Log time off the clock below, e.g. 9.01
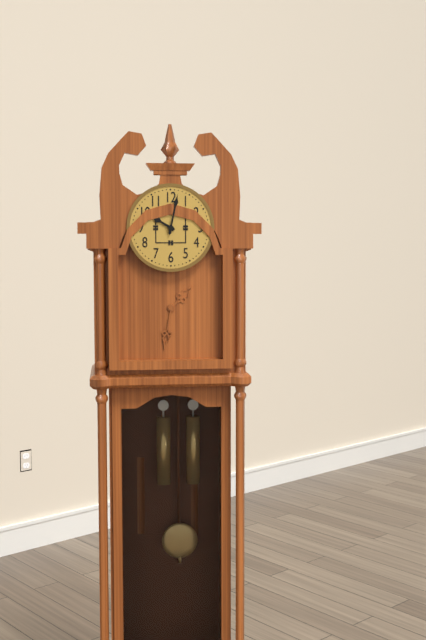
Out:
10.02
